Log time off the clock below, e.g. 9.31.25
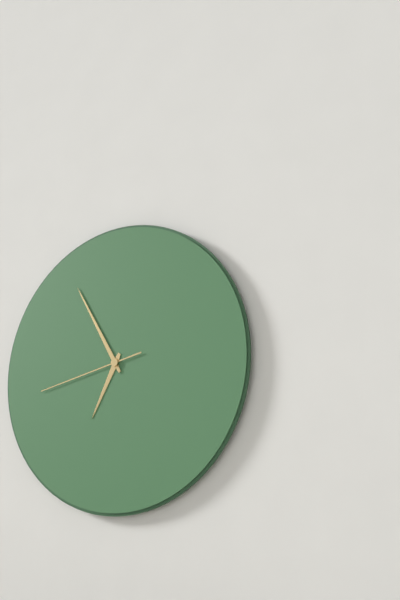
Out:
6.55.43
